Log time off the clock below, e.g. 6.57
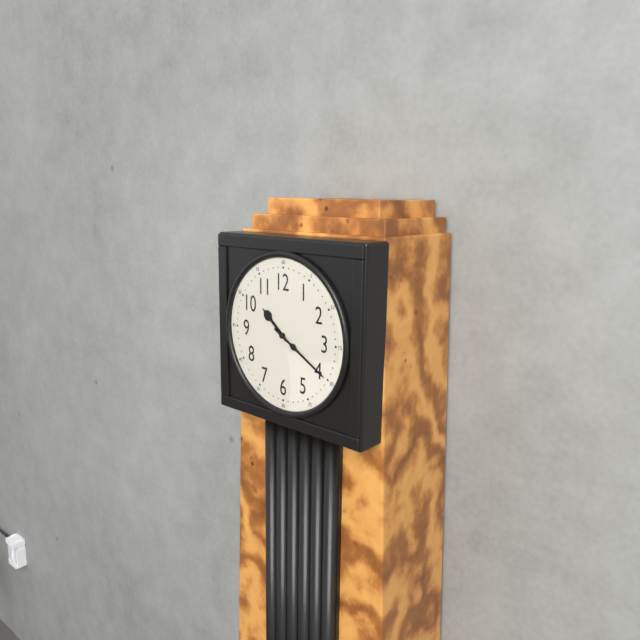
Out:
10.20
